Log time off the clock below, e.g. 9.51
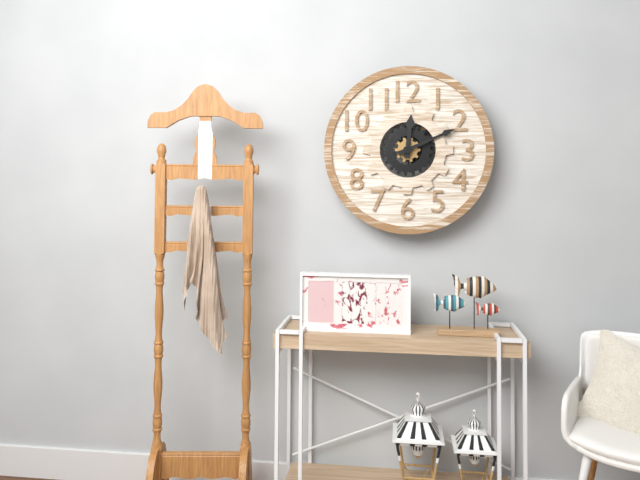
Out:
12.11
